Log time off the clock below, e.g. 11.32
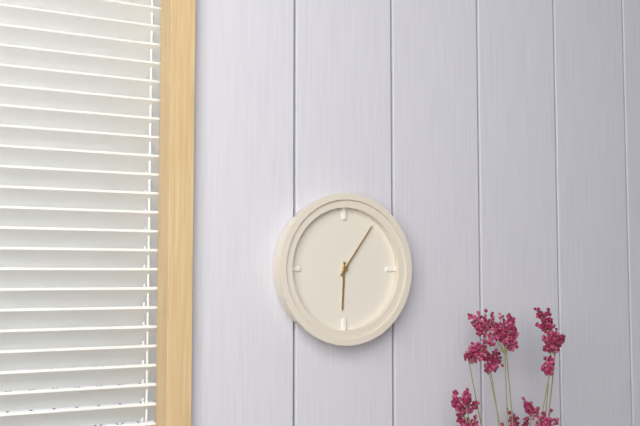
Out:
6.06
